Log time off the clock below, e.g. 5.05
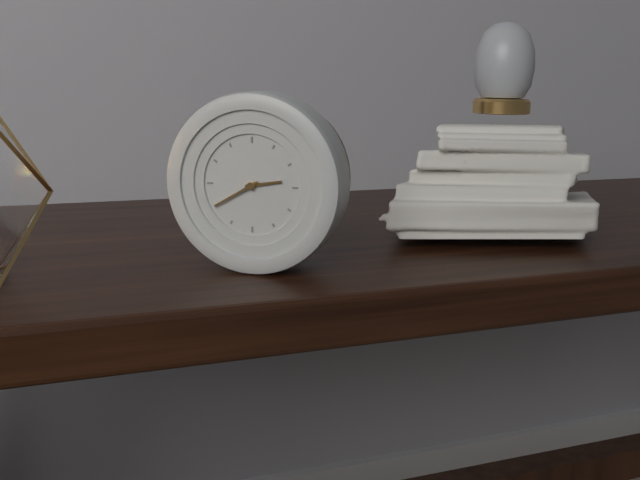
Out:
2.40
